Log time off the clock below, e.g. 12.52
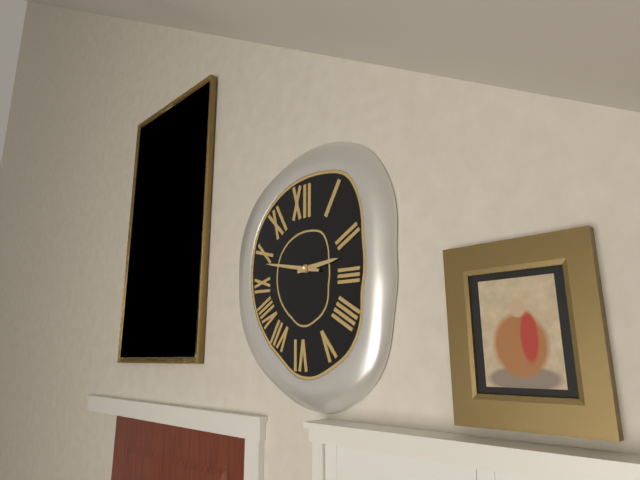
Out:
2.47
